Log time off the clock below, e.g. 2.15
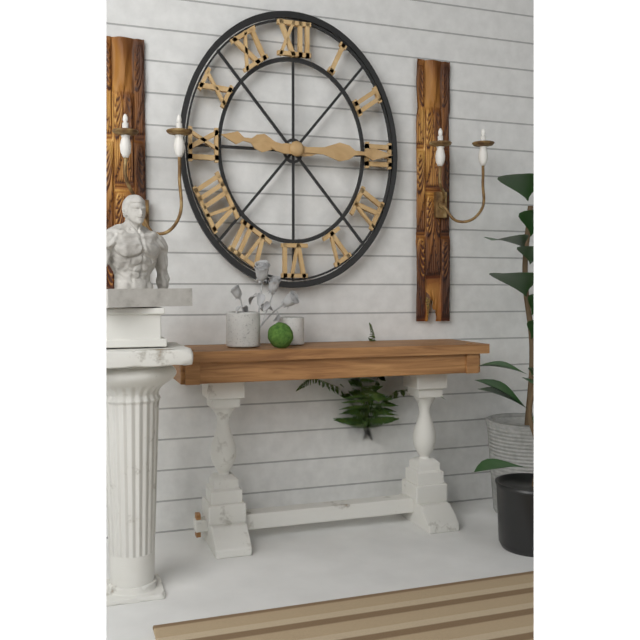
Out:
9.15
